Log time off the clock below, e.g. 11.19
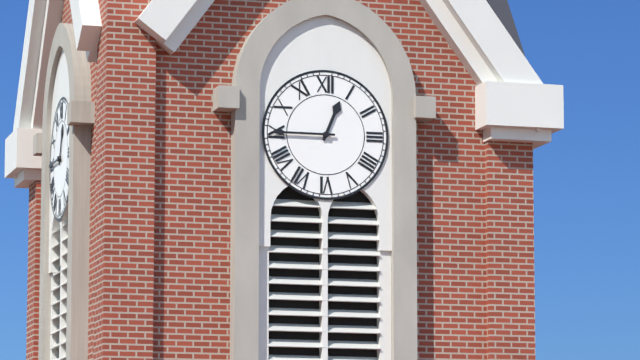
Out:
12.45
